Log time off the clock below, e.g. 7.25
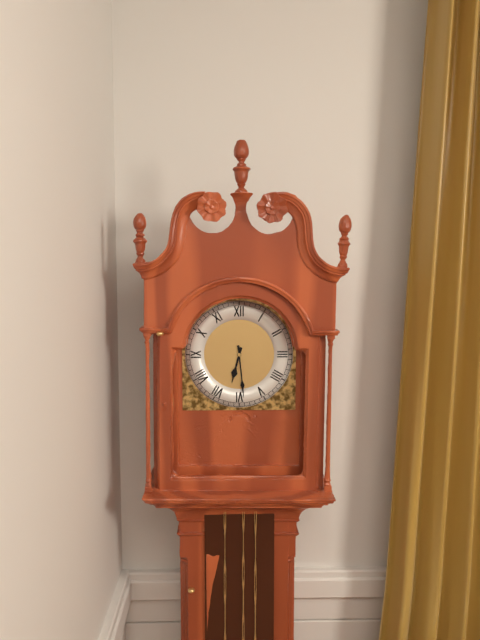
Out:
6.29
